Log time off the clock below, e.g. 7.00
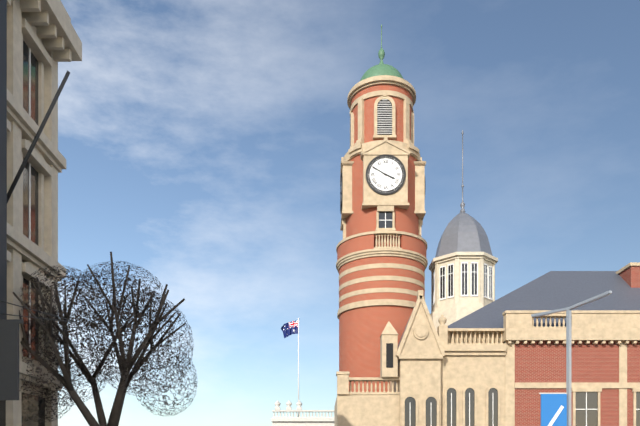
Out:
3.50
